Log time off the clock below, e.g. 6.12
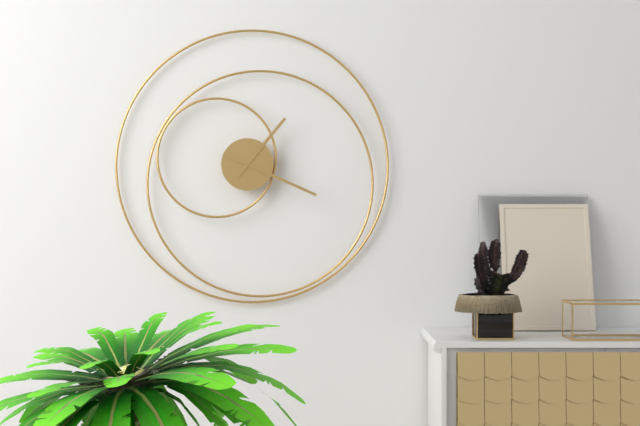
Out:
1.19
